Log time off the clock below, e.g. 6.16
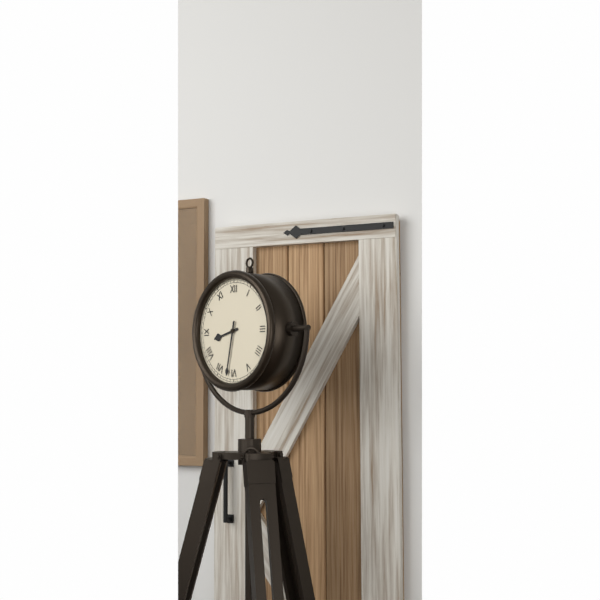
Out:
8.32
